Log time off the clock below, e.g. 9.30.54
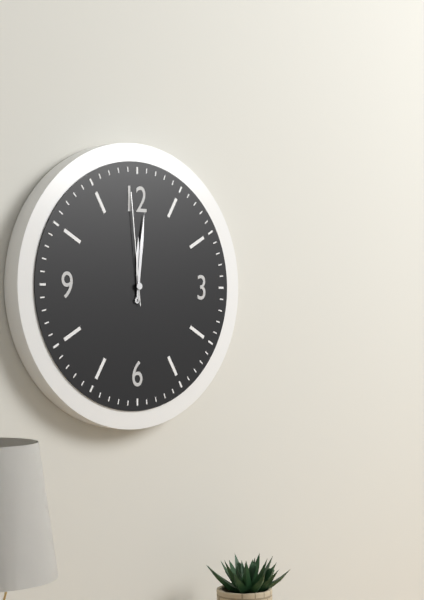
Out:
12.01.59
